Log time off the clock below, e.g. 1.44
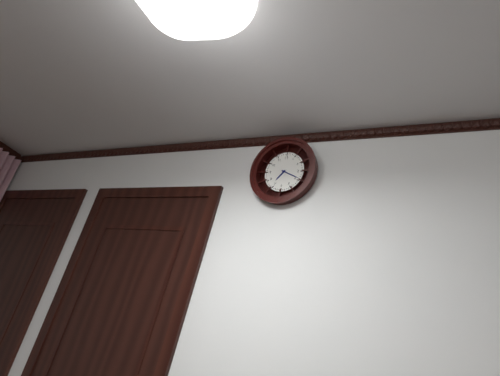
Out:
7.19
